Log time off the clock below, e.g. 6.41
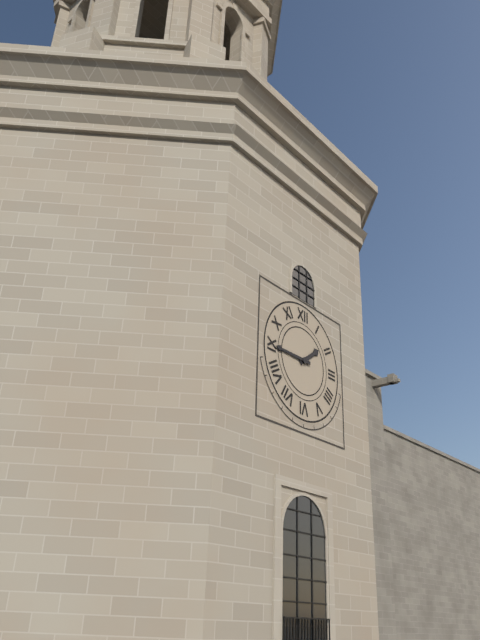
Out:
1.45
